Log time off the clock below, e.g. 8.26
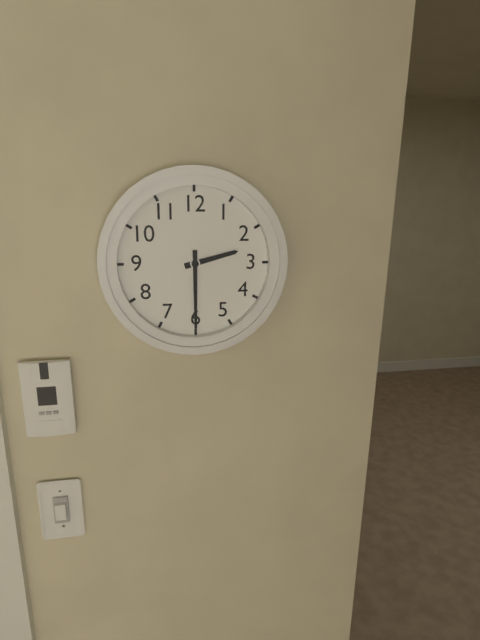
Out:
2.30
